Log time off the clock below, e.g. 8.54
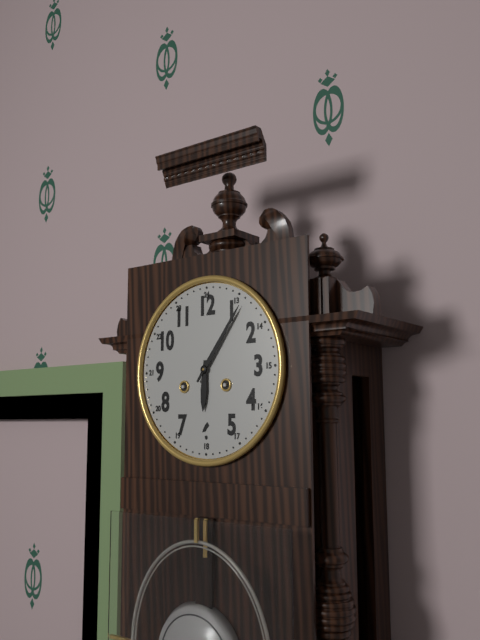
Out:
6.06
